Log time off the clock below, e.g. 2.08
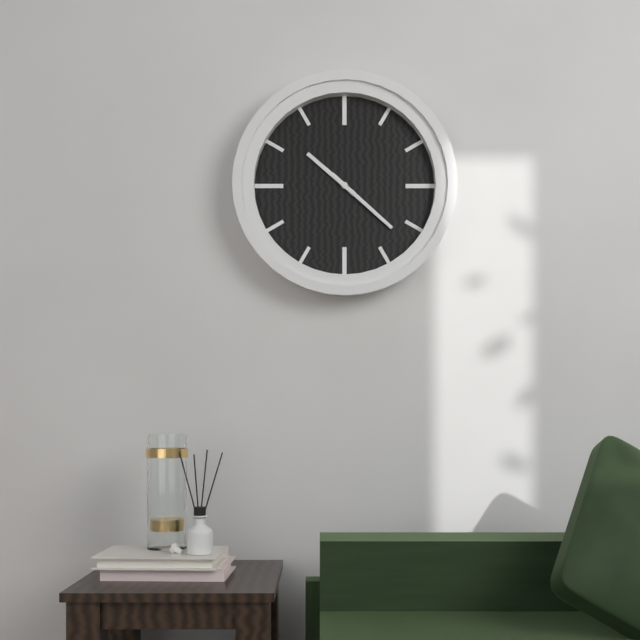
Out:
10.22
